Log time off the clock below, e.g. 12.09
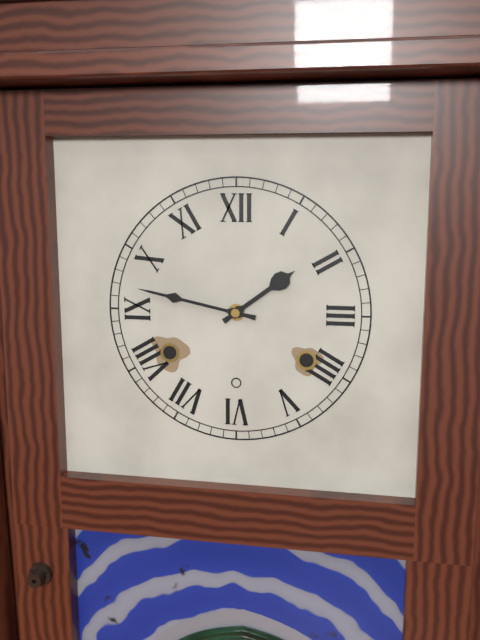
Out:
1.47
